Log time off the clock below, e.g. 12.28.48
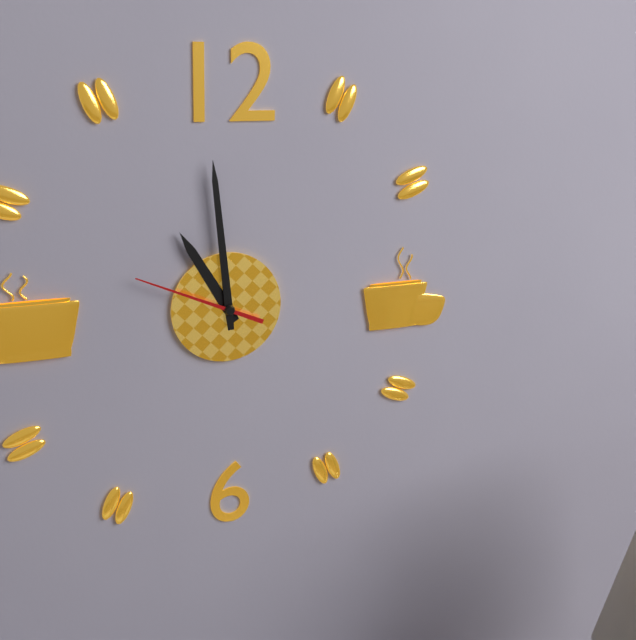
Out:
10.59.49
